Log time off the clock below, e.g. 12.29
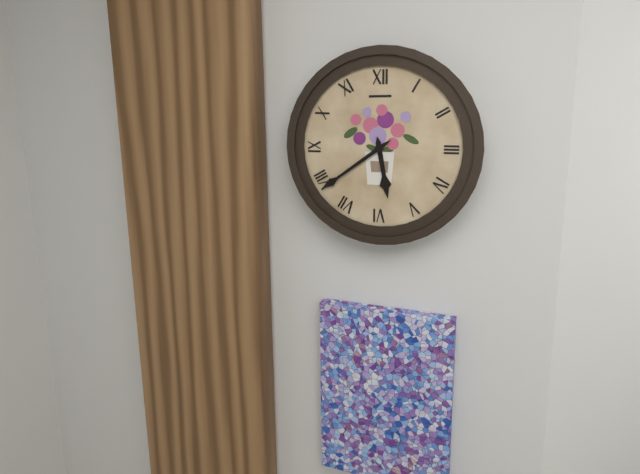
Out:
5.39
